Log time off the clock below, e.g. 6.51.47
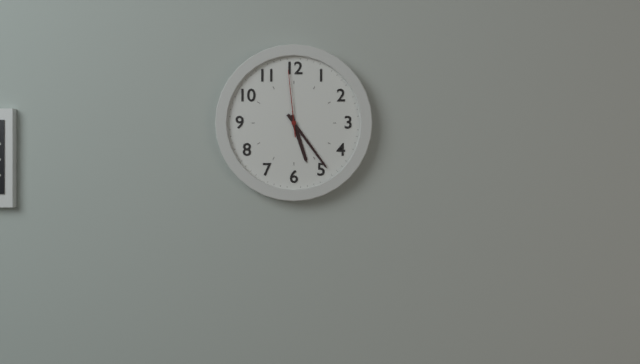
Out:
5.24.59
